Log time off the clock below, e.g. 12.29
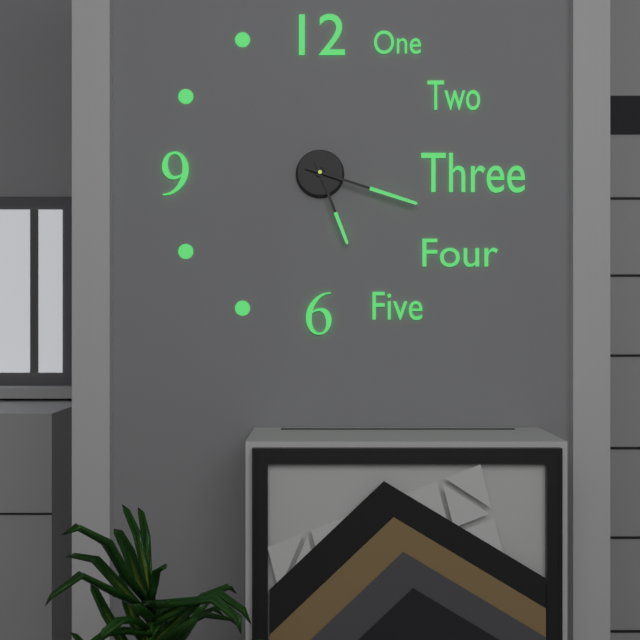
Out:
5.18
